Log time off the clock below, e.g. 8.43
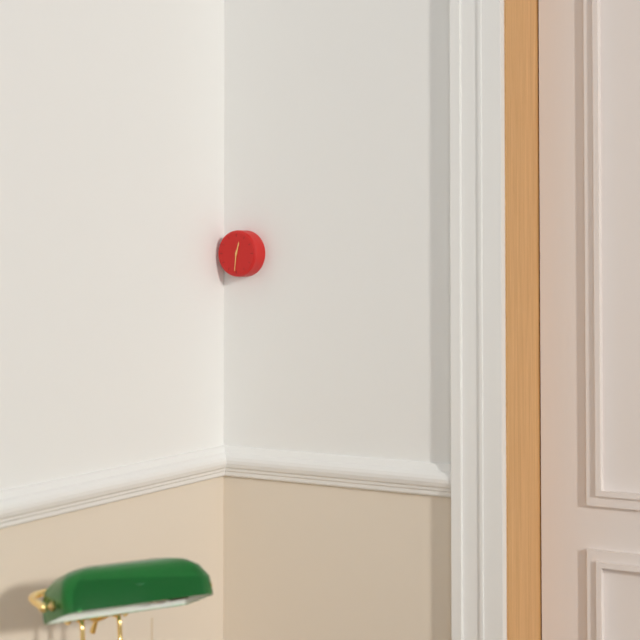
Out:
12.31
